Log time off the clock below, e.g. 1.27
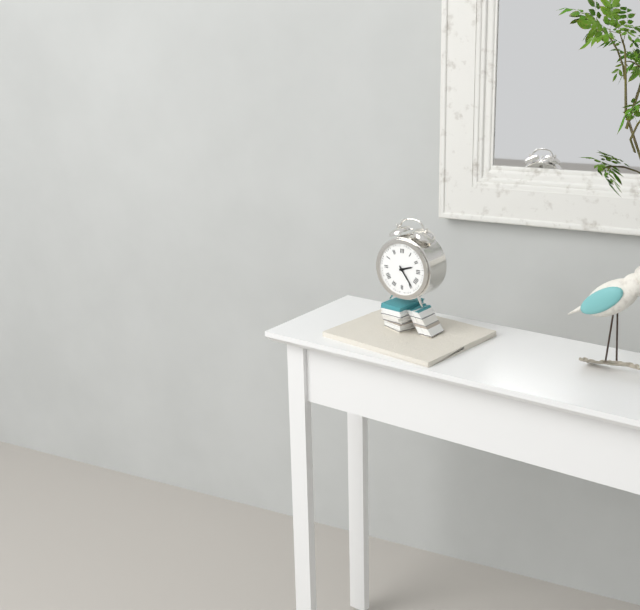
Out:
2.24
